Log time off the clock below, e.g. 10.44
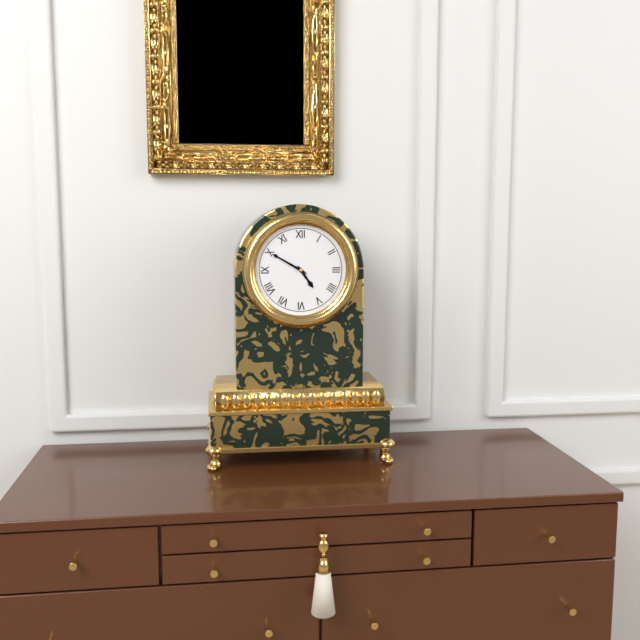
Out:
4.50
